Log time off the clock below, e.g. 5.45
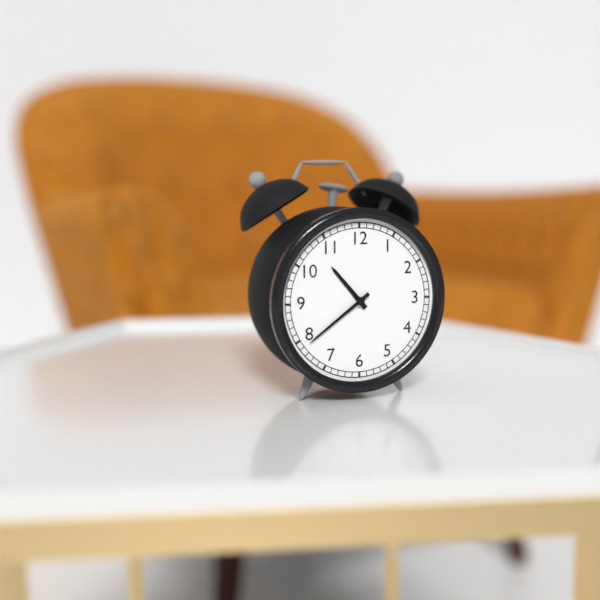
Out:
10.39
